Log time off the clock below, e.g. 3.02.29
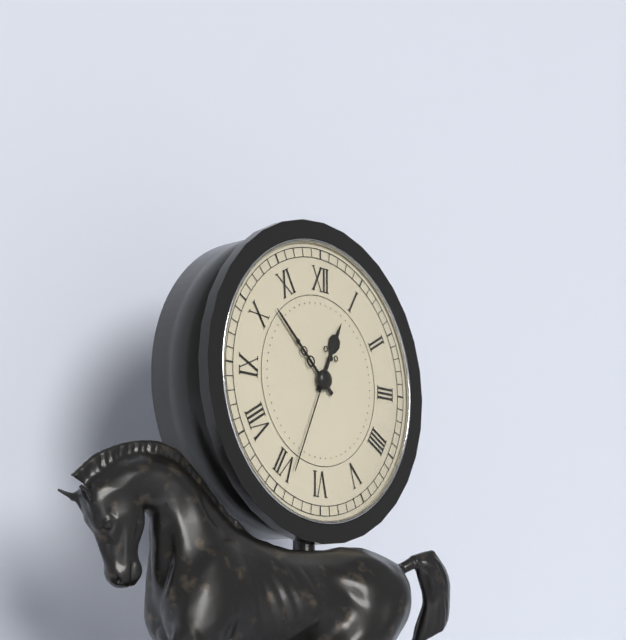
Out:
12.52.34
